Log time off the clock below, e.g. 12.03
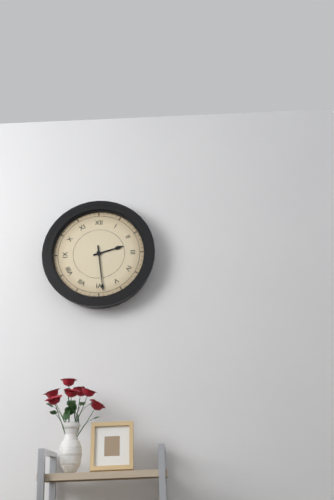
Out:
2.29
